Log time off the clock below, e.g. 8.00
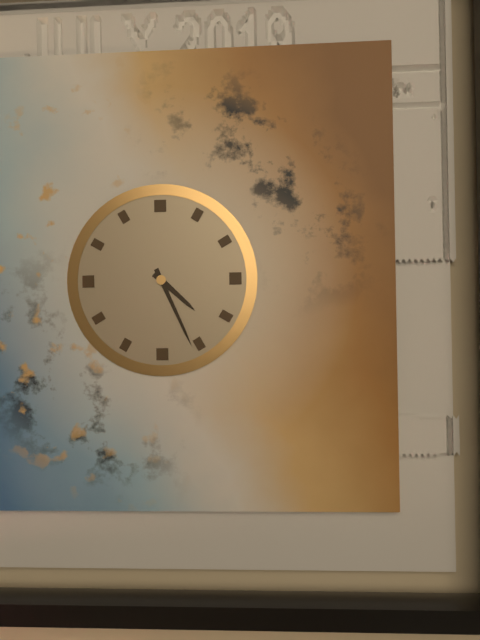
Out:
4.26
